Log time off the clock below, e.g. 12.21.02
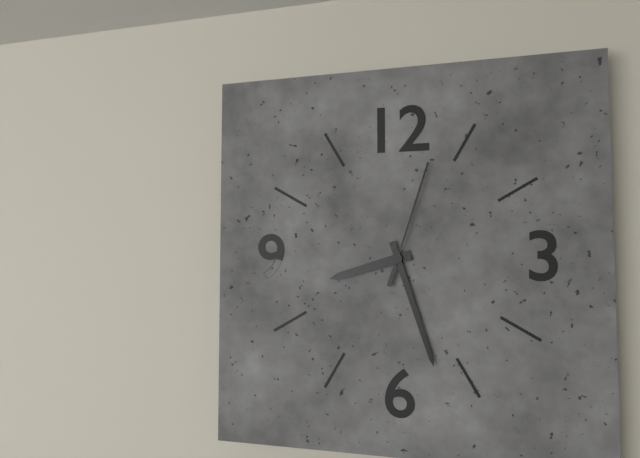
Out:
8.27.03
